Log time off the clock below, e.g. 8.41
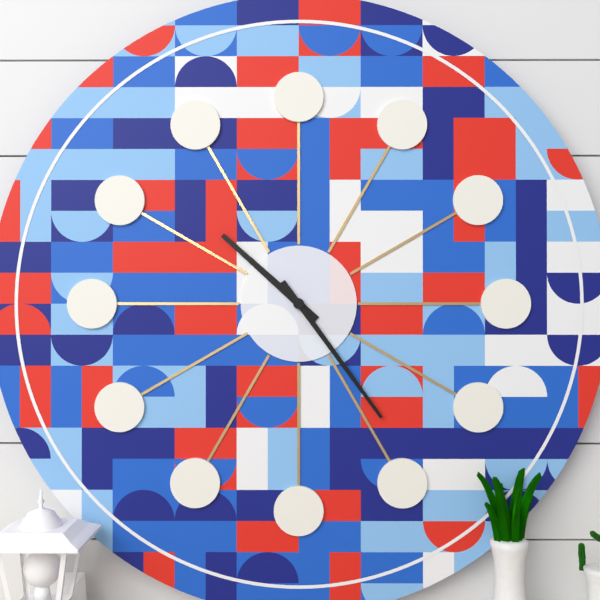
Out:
10.24
